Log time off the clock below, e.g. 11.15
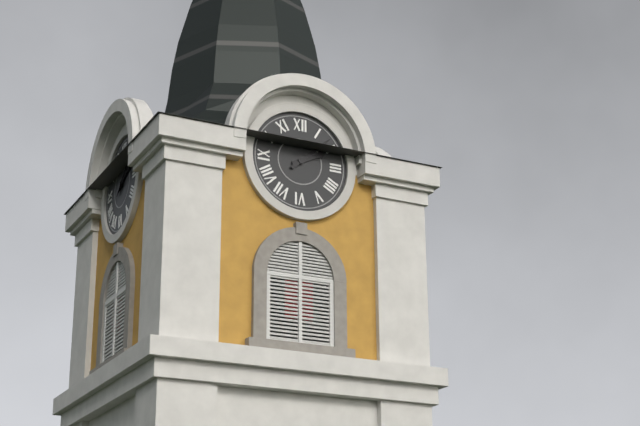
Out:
2.08
